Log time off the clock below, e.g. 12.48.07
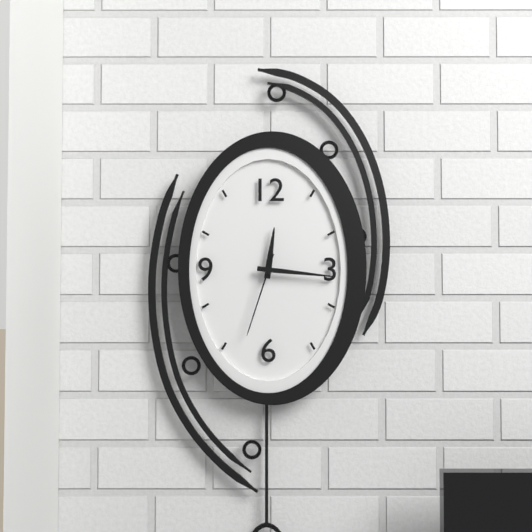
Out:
12.16.33
